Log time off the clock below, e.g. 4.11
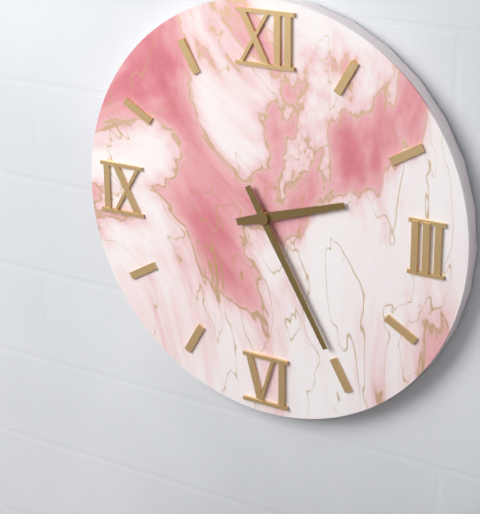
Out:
2.25
